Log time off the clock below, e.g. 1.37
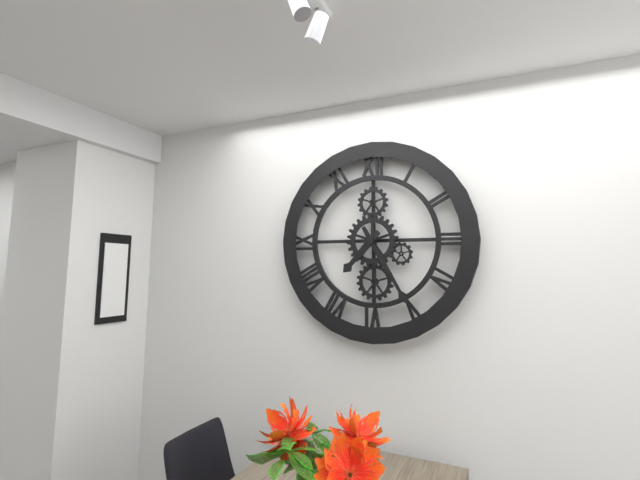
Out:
7.25
